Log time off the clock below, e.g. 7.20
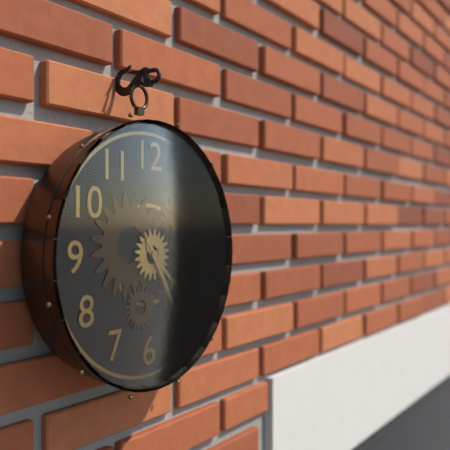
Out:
4.25
